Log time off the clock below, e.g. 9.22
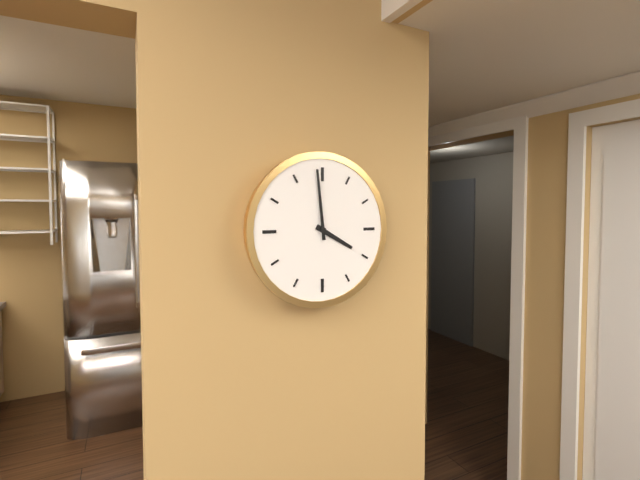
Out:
3.59
